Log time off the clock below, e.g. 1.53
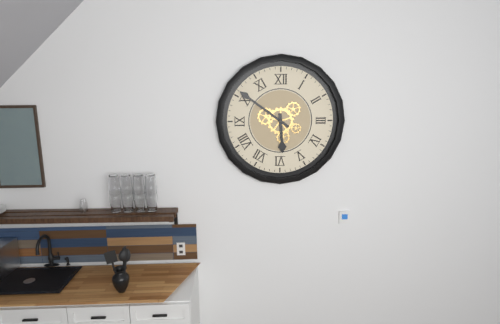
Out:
5.51
